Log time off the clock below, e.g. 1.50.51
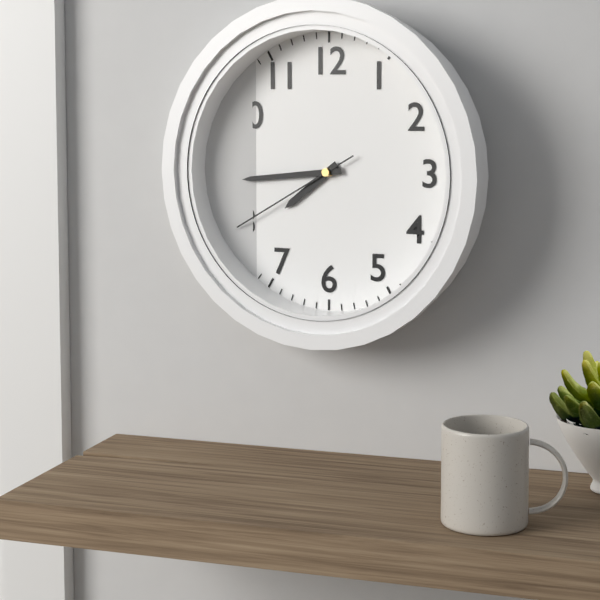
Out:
7.44.40
